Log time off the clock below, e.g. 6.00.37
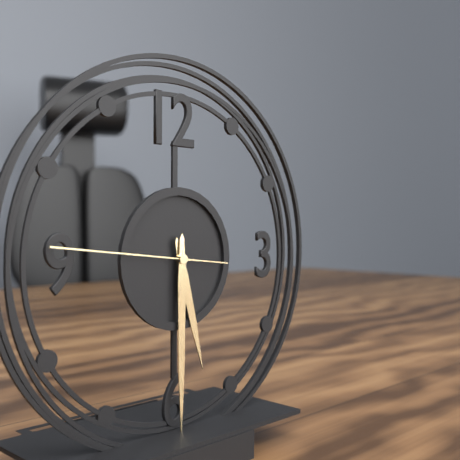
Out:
5.30.46
